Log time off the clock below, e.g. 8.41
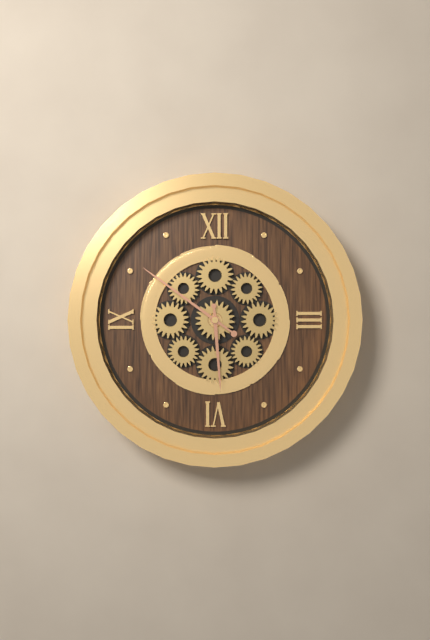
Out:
5.51
